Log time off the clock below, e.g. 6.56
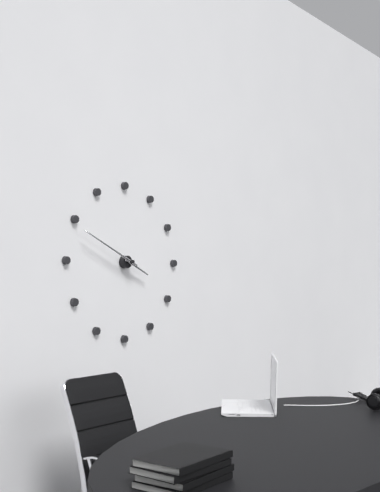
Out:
3.49
